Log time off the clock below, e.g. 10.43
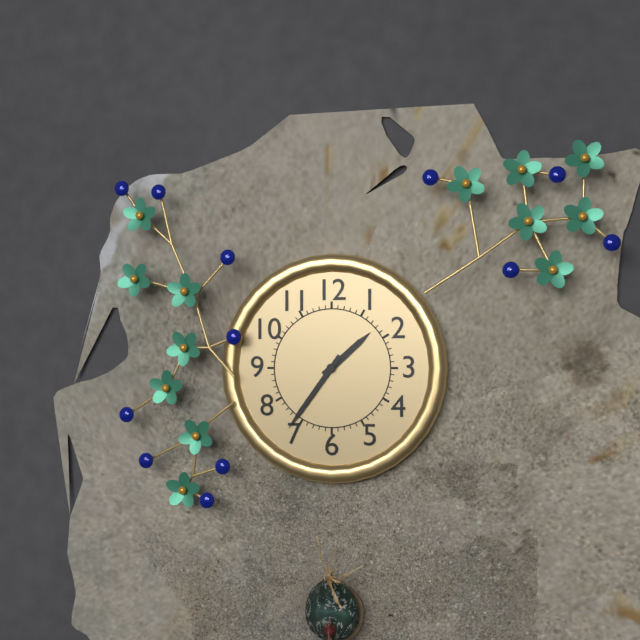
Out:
1.36
